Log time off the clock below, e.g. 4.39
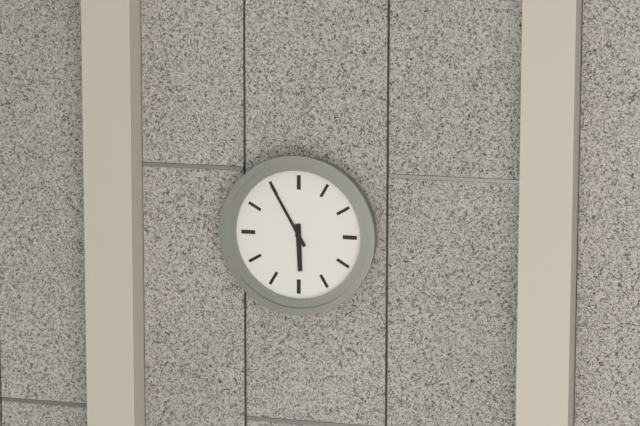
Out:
5.55
